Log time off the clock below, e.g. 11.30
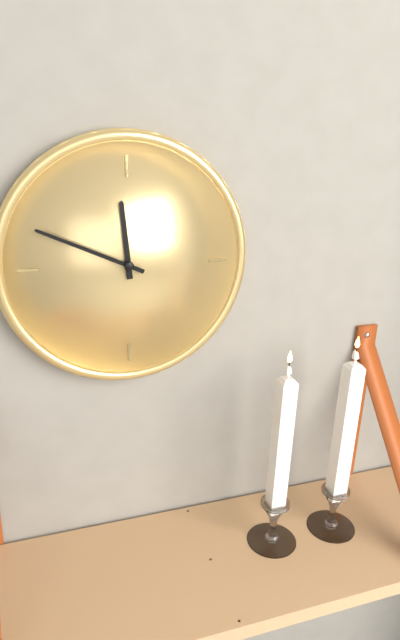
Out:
11.49
